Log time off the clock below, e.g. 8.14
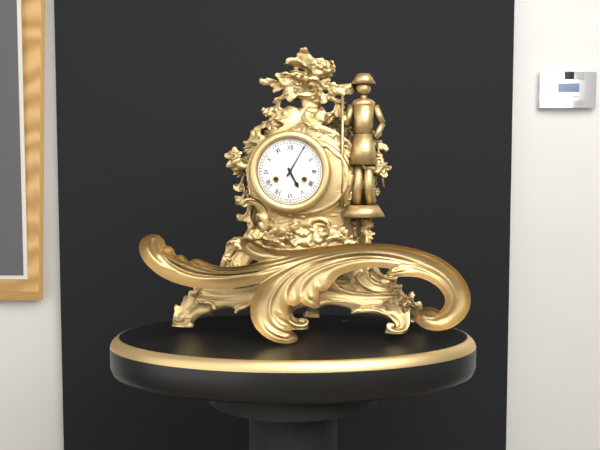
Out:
5.05
